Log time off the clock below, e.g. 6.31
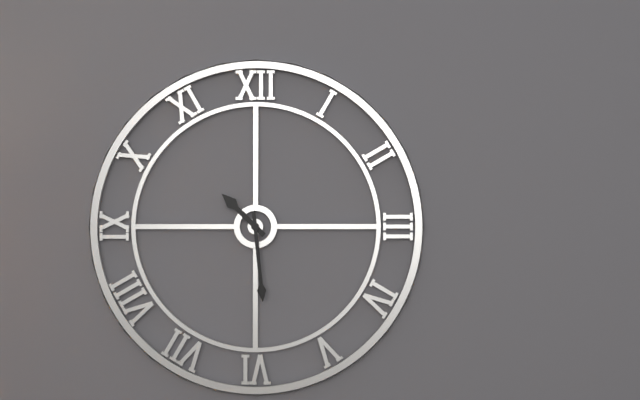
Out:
10.29
